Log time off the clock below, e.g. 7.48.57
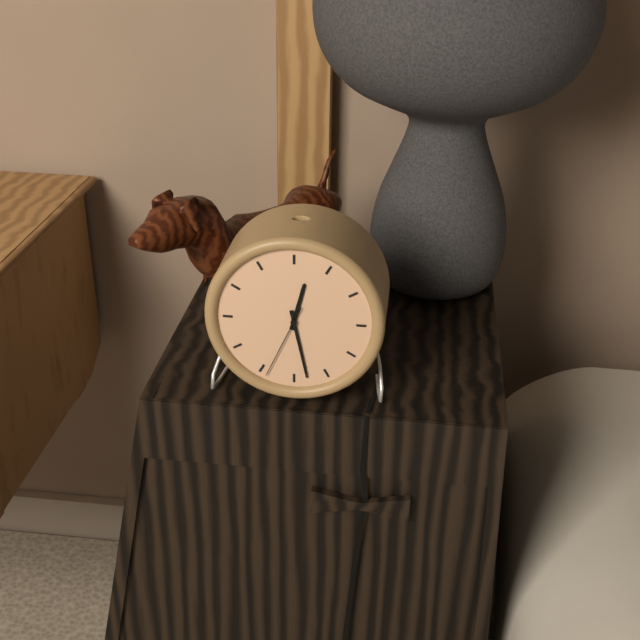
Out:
12.28.34
